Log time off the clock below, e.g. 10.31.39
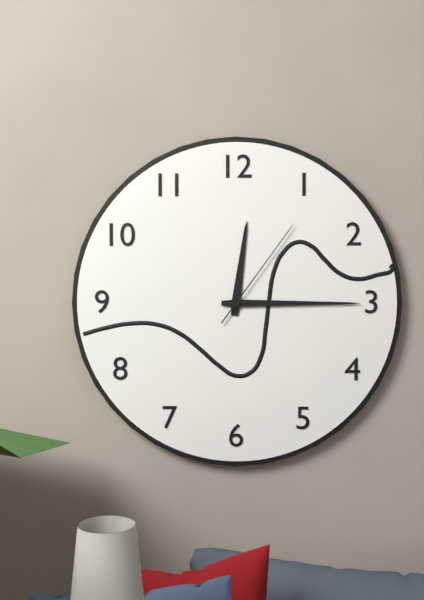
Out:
12.15.06
